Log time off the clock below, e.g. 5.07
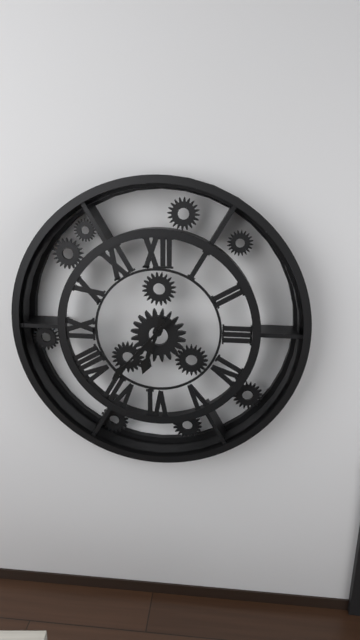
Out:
6.37
